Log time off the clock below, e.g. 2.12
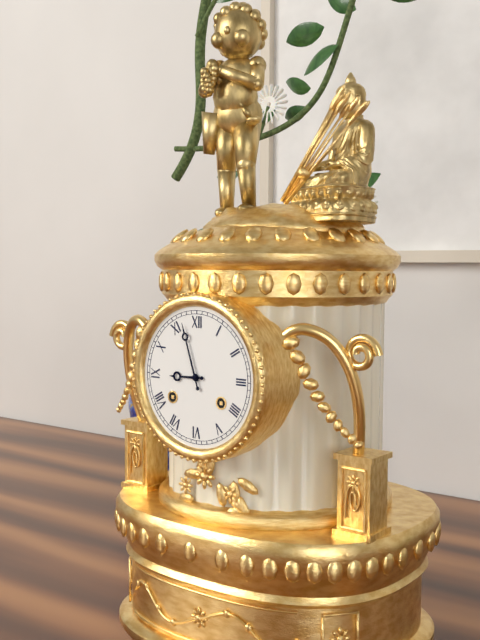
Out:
8.57
